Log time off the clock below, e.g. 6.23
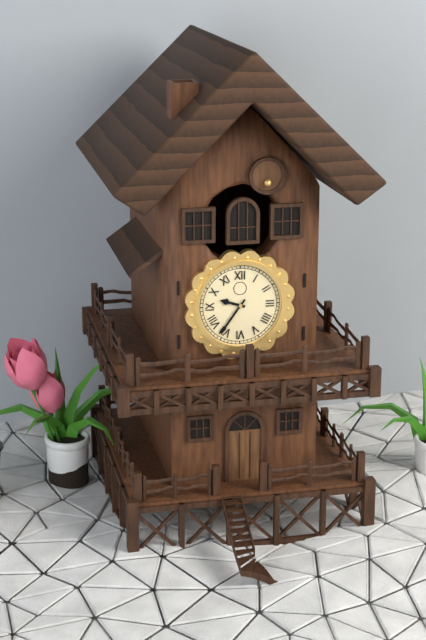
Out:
9.36
